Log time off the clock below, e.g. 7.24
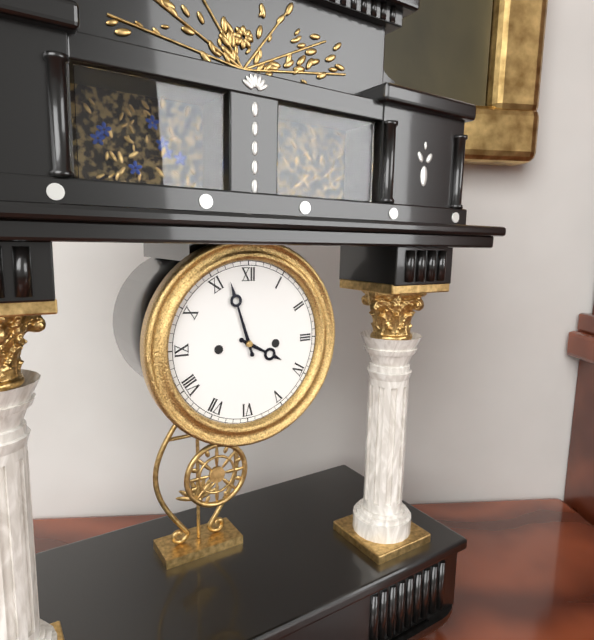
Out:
3.57
